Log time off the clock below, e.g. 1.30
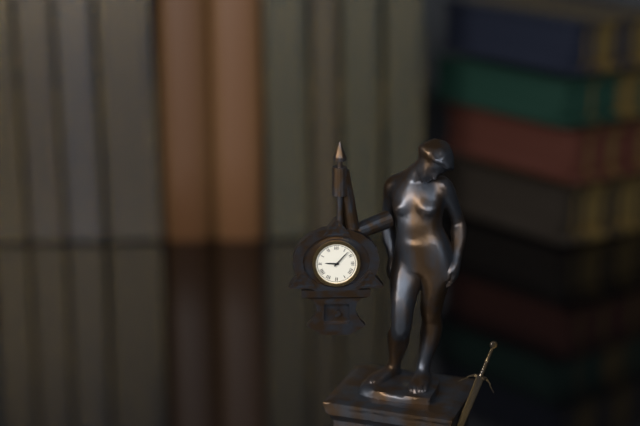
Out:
9.07
